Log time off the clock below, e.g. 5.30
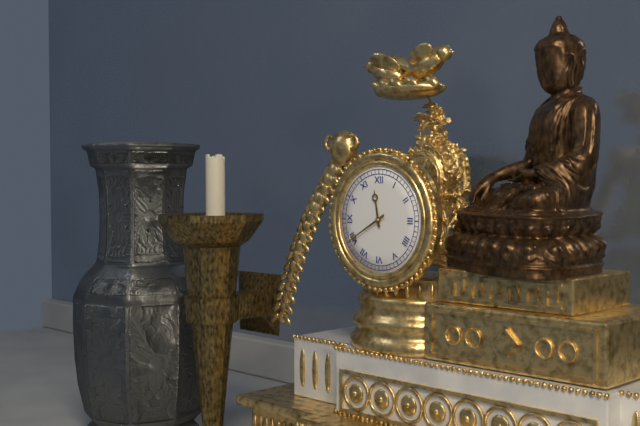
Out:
11.40
